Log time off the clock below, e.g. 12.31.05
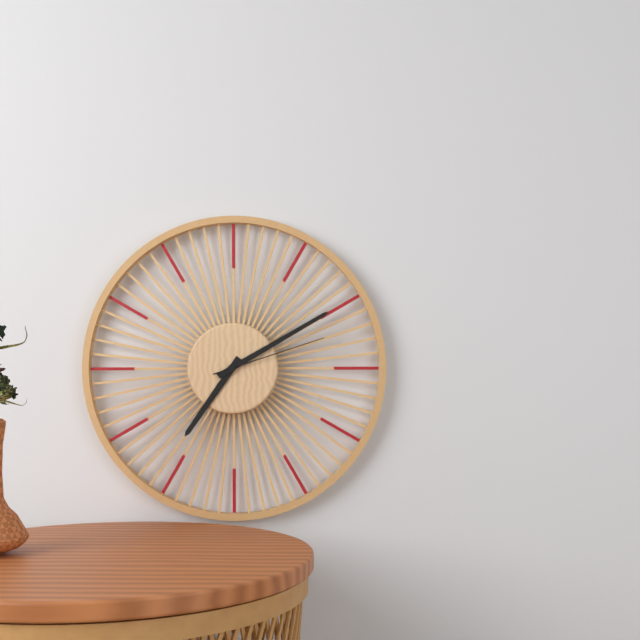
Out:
7.10.12
